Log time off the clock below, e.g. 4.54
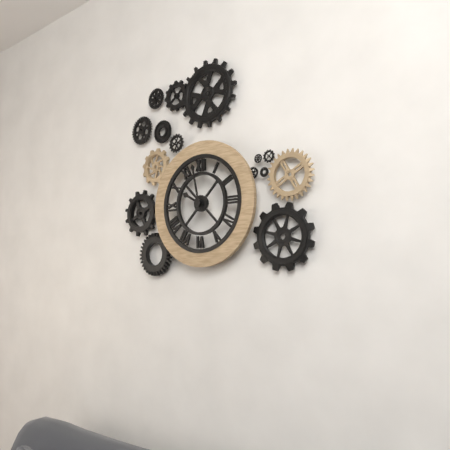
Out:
9.58
